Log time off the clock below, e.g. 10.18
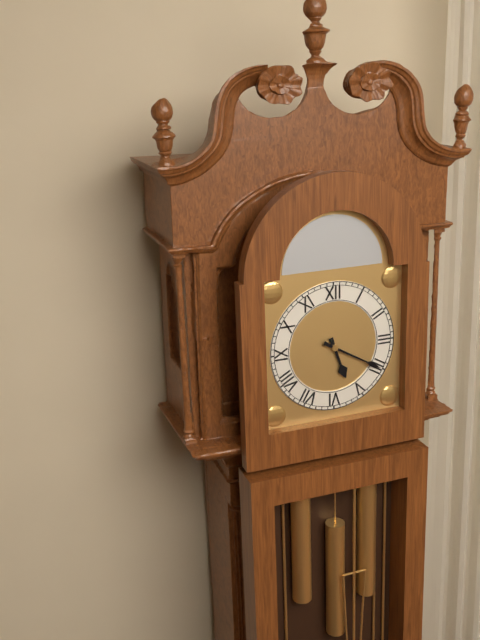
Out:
5.20
